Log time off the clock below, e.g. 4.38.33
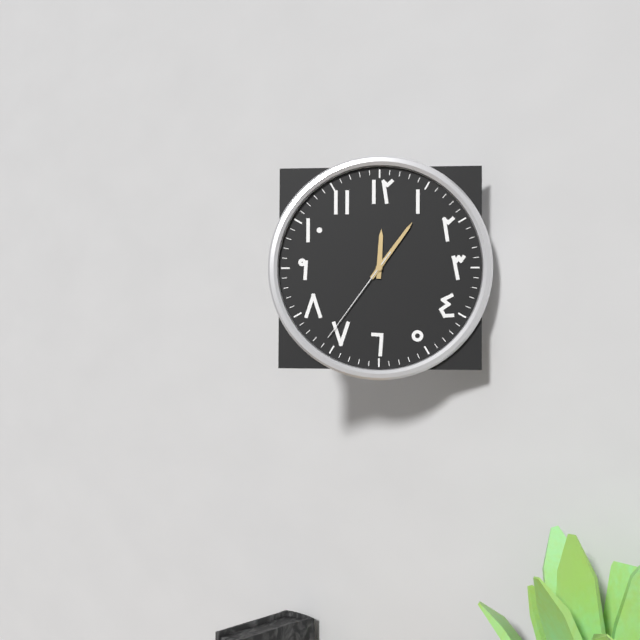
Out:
12.06.36
